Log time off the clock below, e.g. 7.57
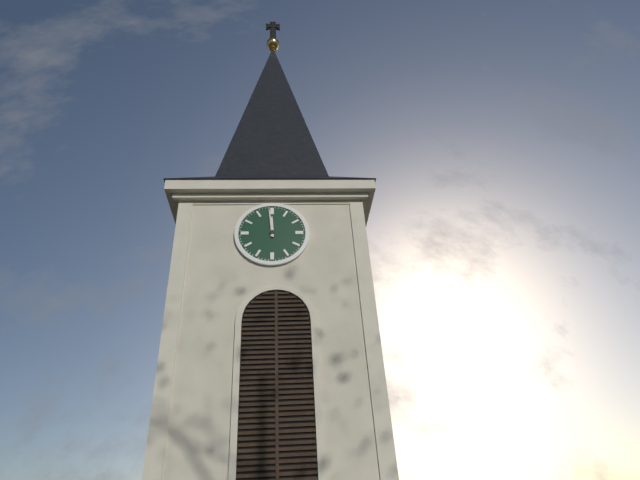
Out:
11.59
